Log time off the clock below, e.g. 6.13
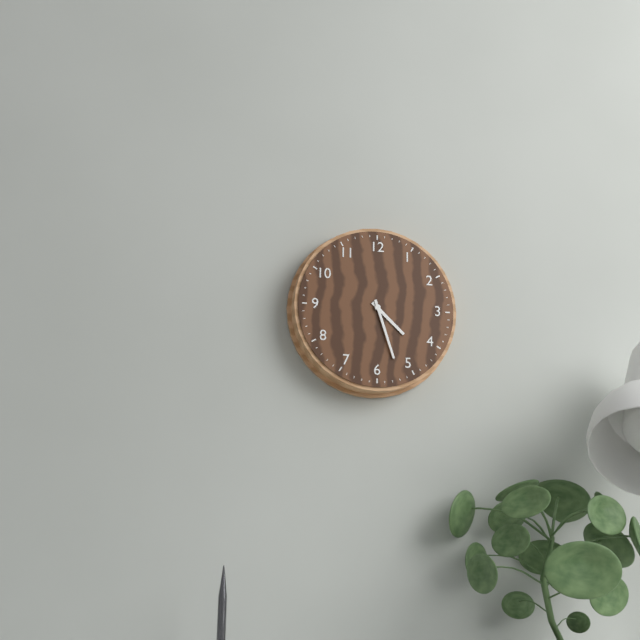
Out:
4.27
